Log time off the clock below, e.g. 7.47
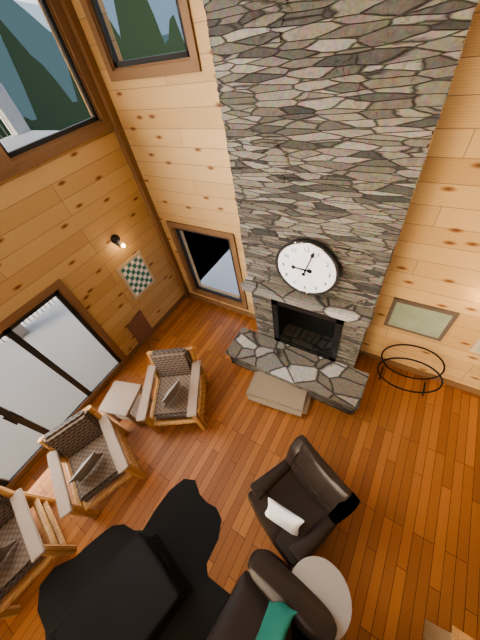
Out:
9.03
